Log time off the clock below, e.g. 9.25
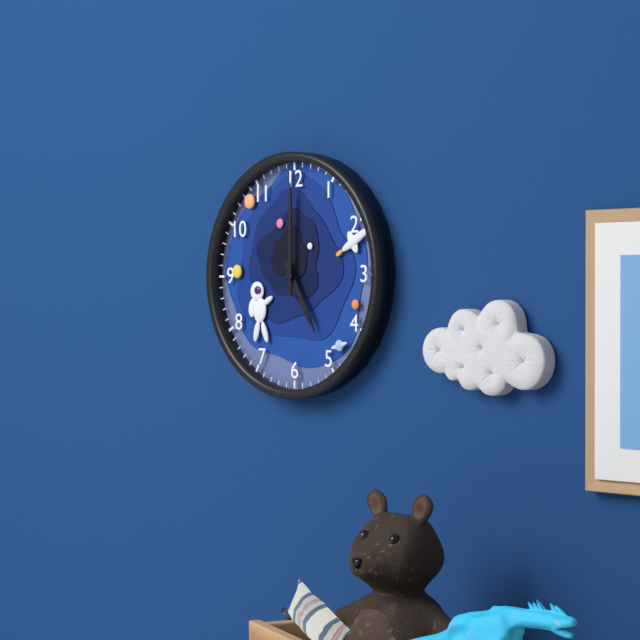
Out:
5.00
